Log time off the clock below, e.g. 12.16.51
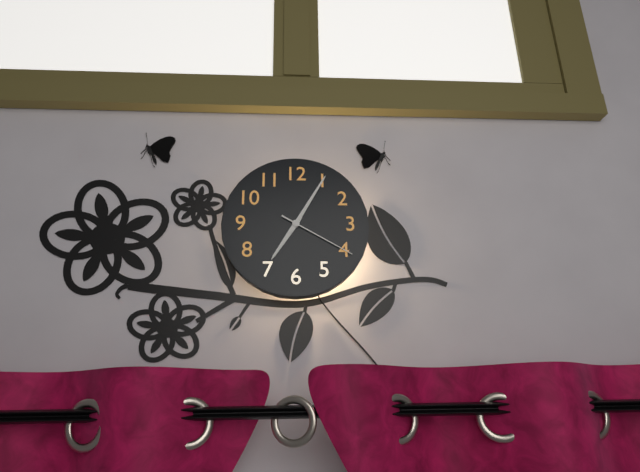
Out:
7.05.20
